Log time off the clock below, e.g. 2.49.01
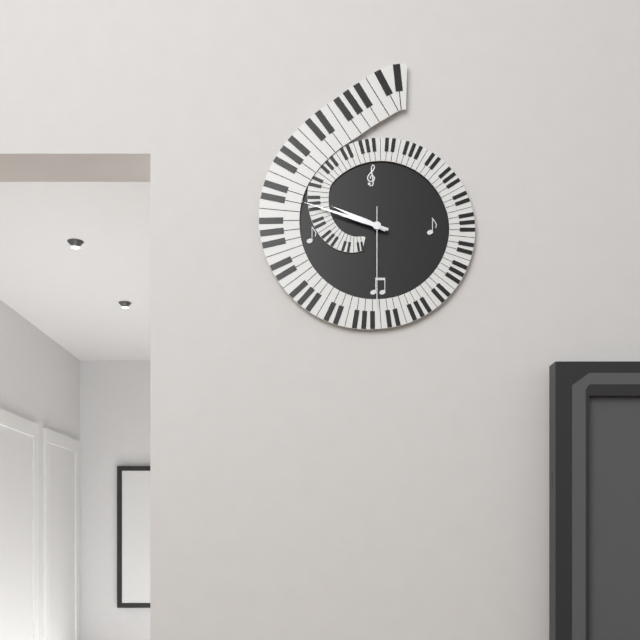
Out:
9.48.30
